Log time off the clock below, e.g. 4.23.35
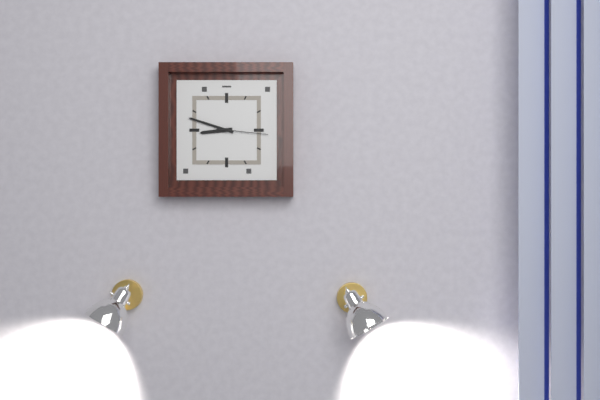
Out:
8.48.16
